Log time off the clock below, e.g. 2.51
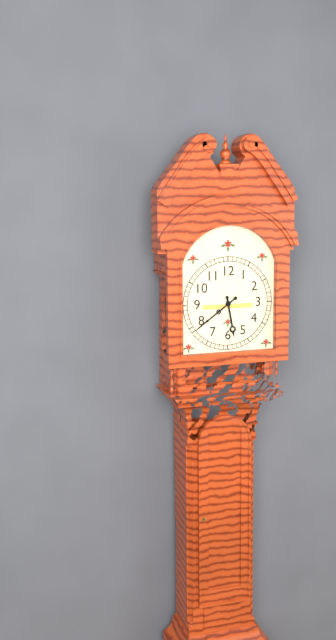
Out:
5.39
